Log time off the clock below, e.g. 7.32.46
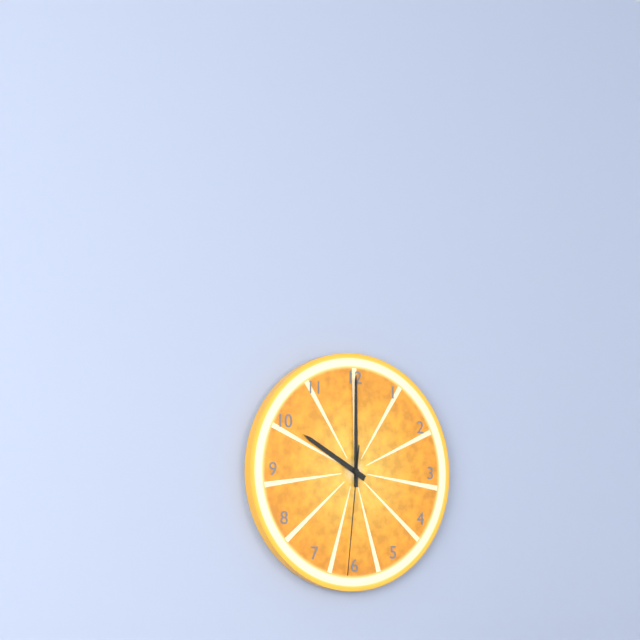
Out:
10.00.31
